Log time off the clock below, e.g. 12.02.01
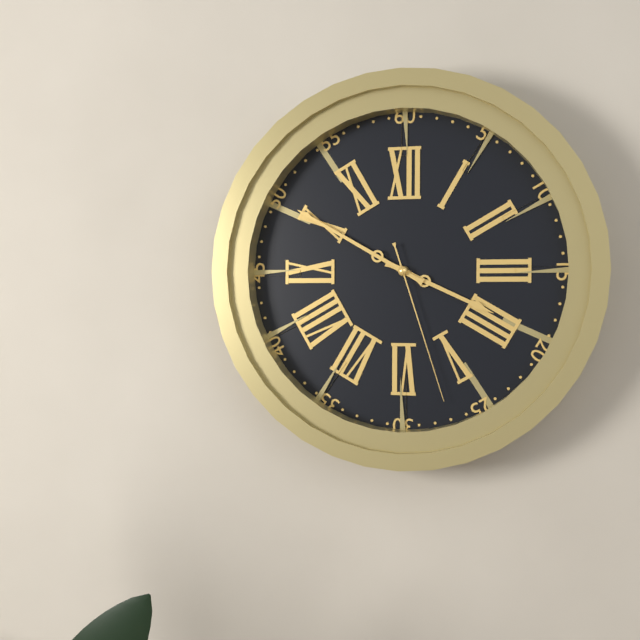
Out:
3.50.27
